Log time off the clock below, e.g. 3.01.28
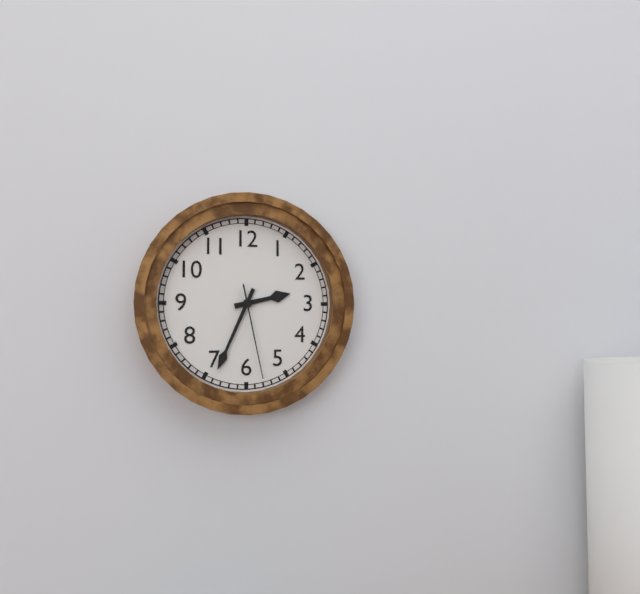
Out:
2.34.28
